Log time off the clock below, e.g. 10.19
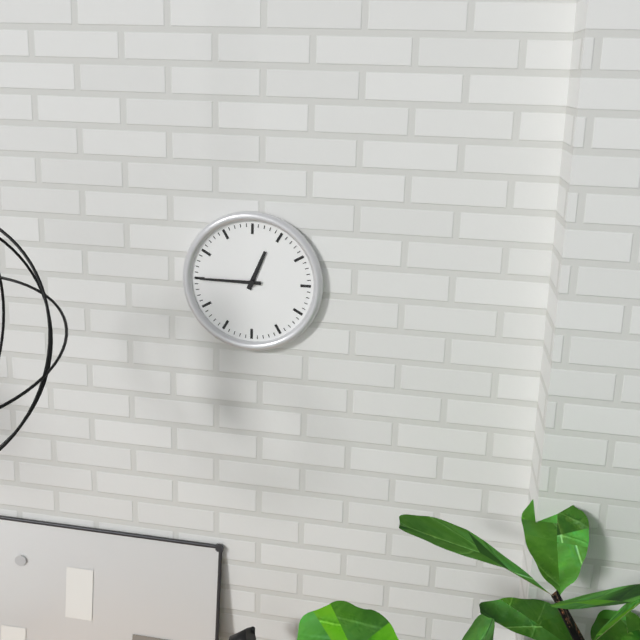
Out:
12.45
